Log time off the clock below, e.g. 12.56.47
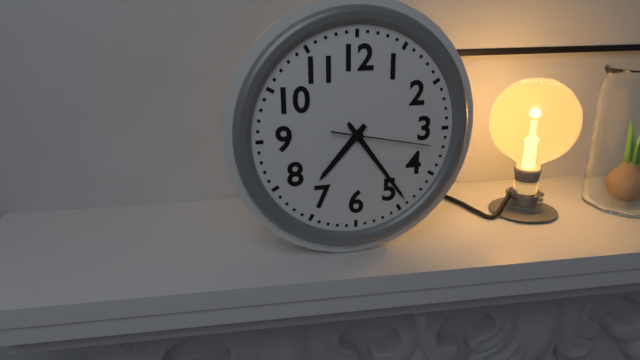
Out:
7.24.17
